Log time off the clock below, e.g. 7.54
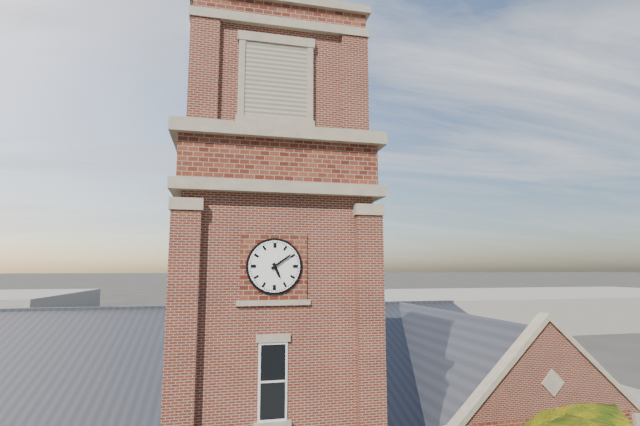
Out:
5.09
